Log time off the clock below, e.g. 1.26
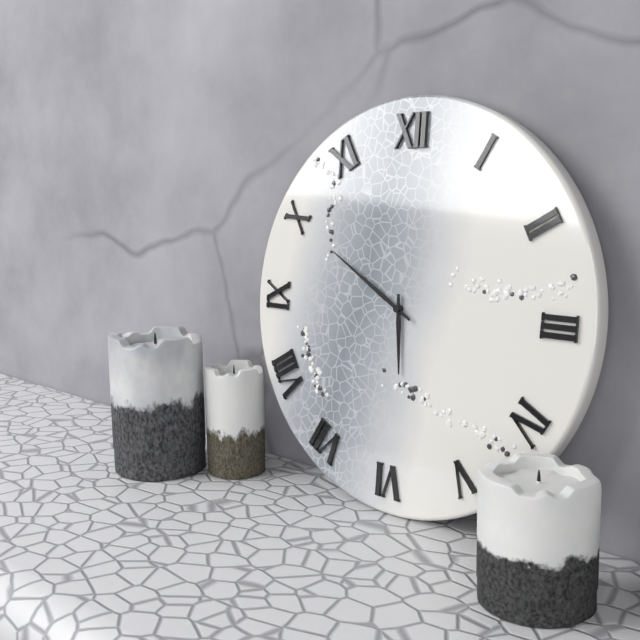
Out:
5.50
